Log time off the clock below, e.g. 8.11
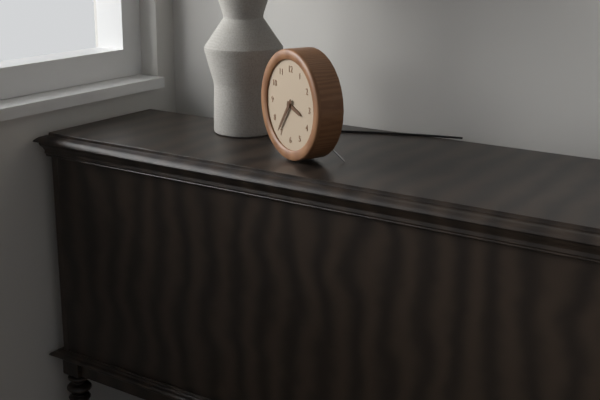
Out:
3.36
